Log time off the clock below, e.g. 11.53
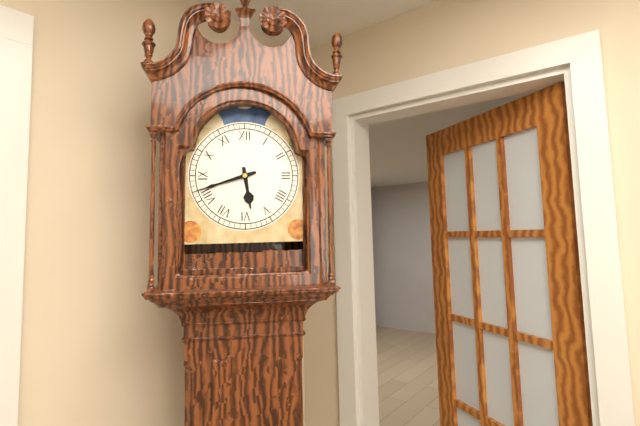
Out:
5.42
